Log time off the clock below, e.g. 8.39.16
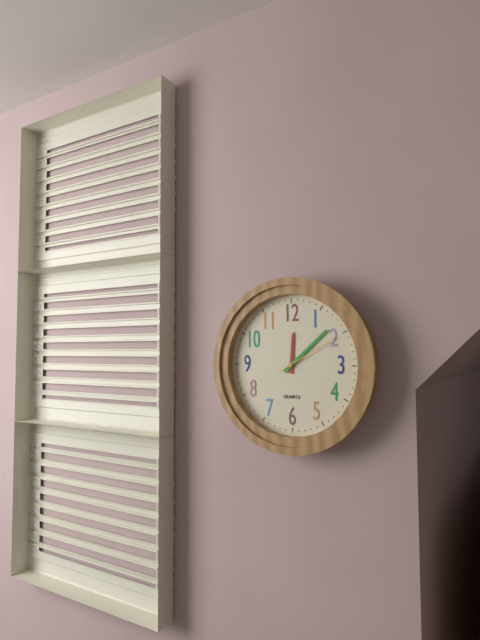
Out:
12.08.10
